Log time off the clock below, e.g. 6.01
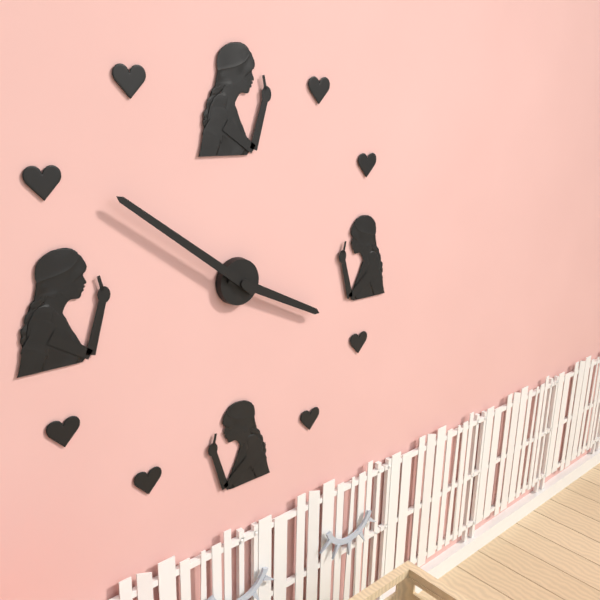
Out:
3.51
